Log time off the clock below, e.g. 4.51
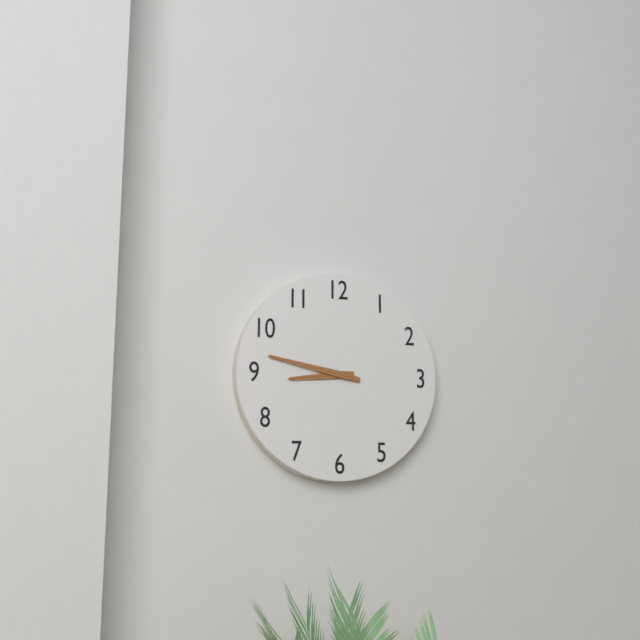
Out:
8.47
